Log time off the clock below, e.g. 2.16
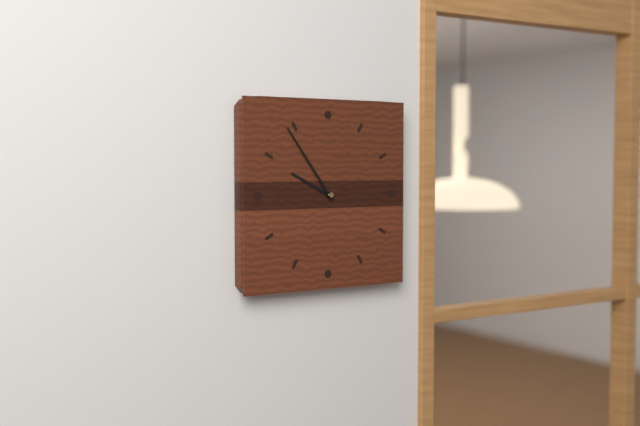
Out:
9.54
